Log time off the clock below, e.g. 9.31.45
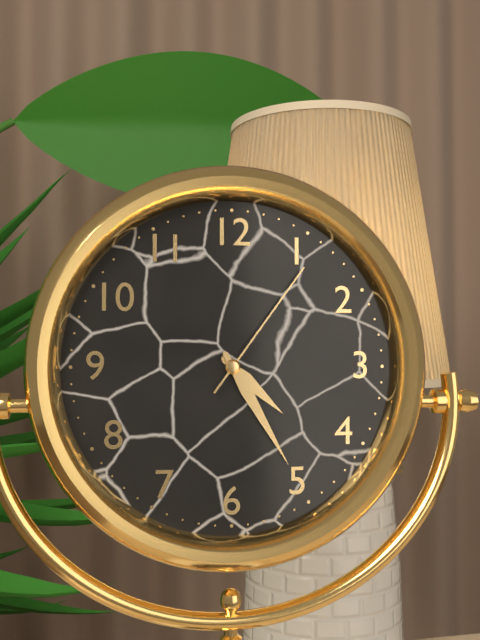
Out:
4.25.06
